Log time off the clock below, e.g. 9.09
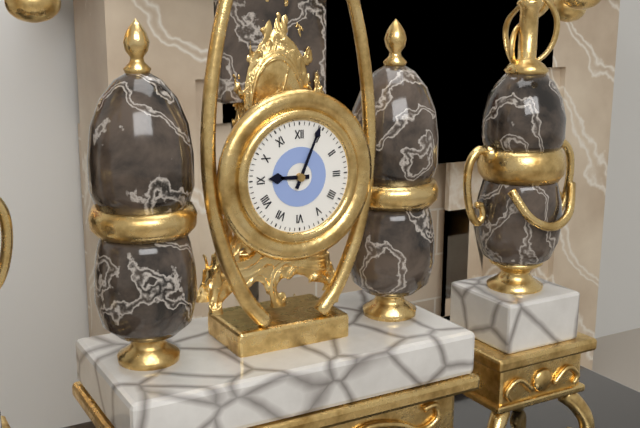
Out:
9.04
